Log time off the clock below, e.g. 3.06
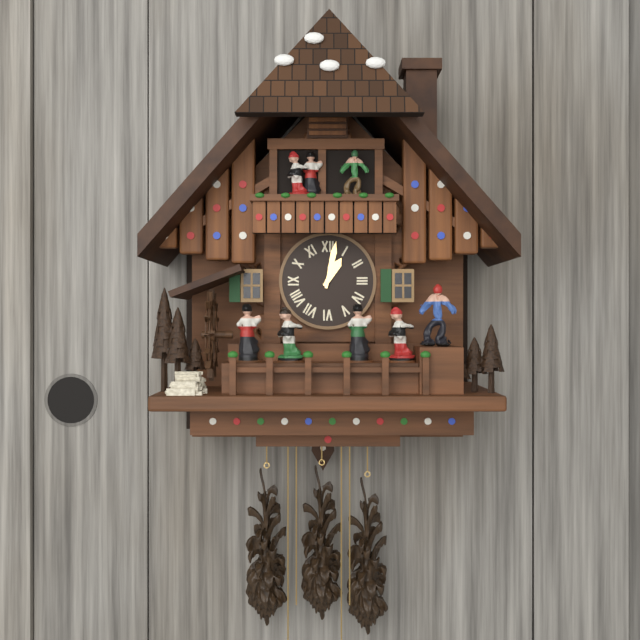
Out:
1.02
